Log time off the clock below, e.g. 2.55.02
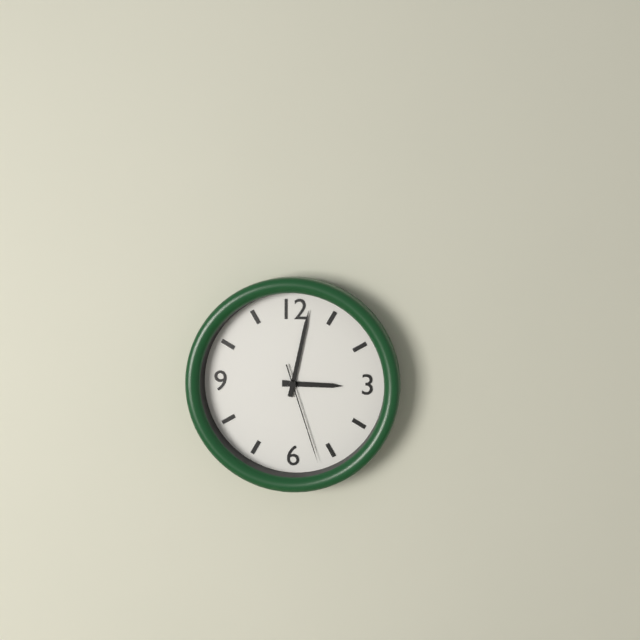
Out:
3.02.27
